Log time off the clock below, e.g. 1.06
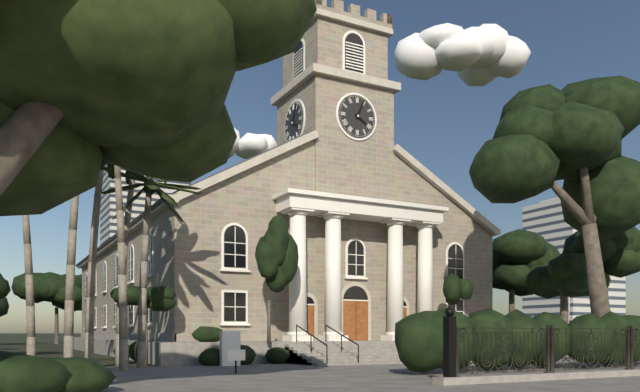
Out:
4.04
